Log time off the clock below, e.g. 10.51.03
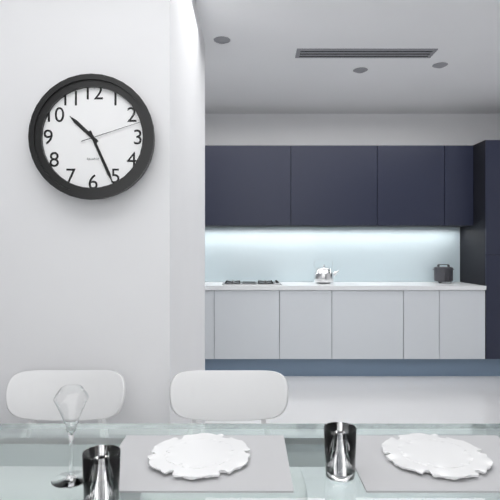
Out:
10.26.12
